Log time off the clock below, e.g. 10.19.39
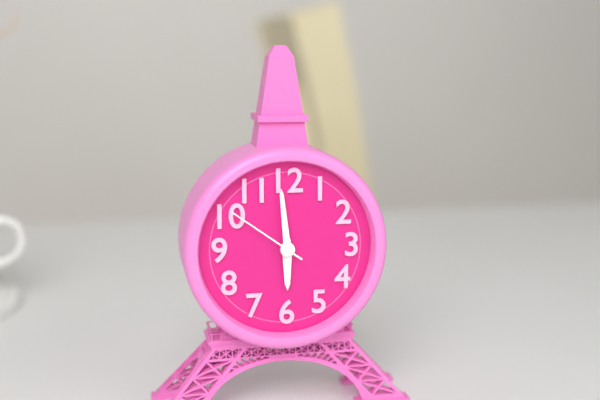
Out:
5.59.51
